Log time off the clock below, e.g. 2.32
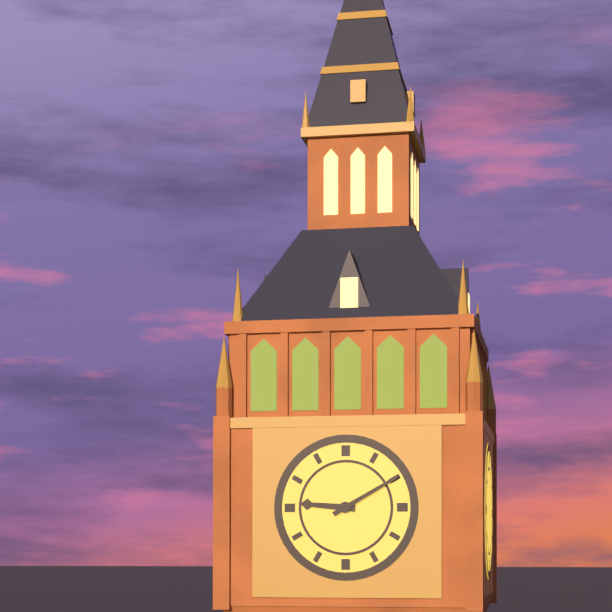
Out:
9.10
